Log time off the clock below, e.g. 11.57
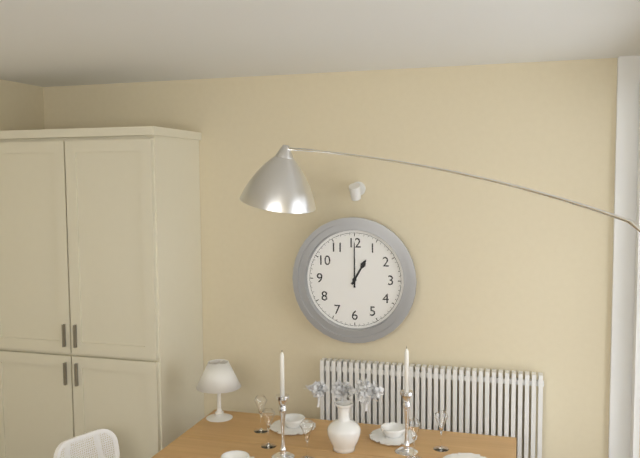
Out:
1.00
